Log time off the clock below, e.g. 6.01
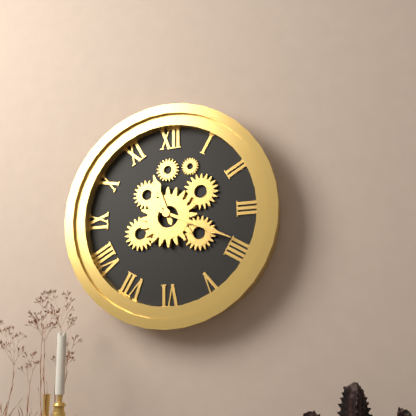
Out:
11.19
